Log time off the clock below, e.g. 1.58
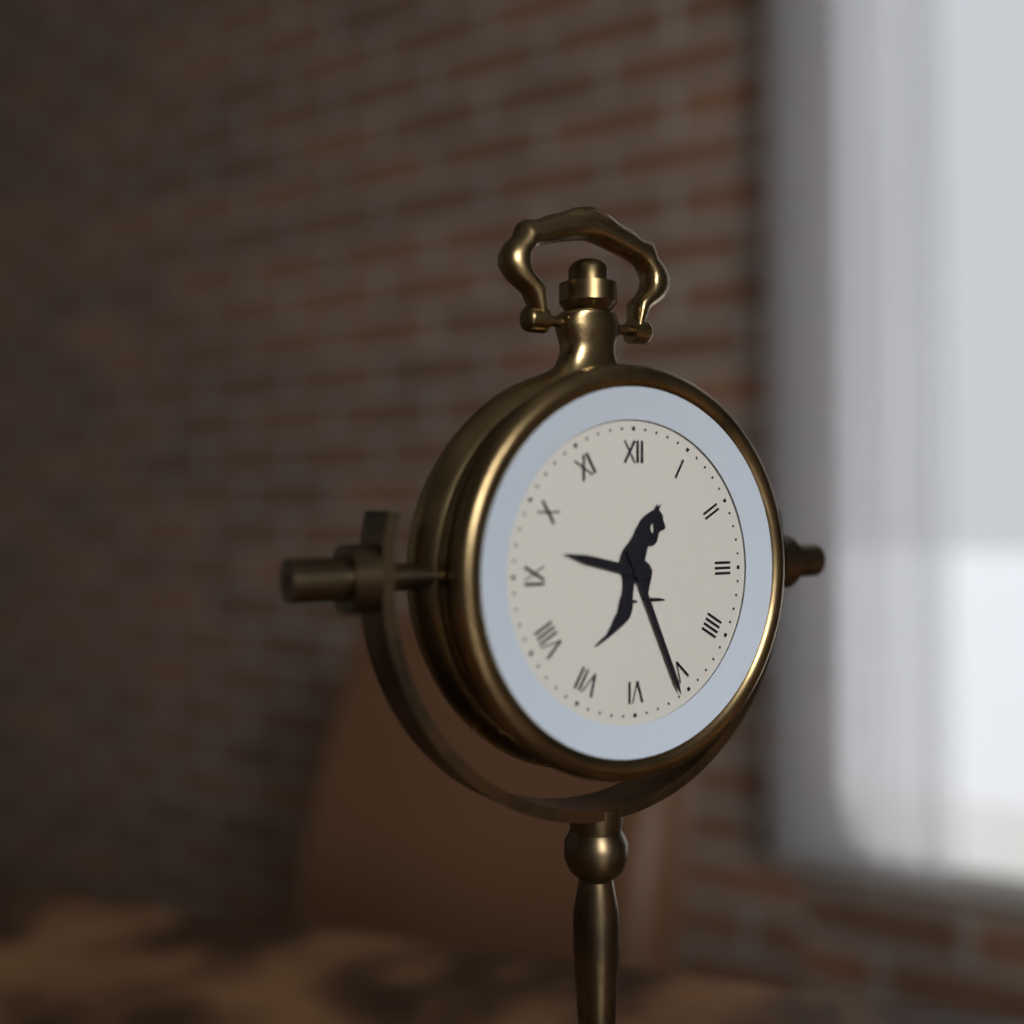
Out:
9.26
